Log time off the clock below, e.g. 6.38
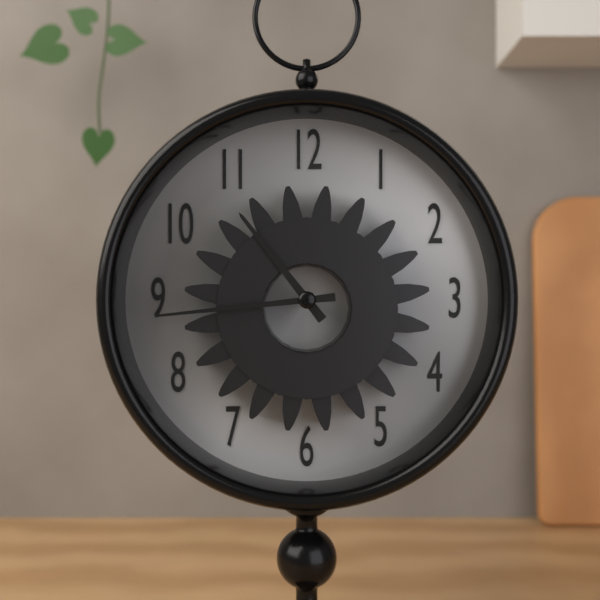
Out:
10.44
